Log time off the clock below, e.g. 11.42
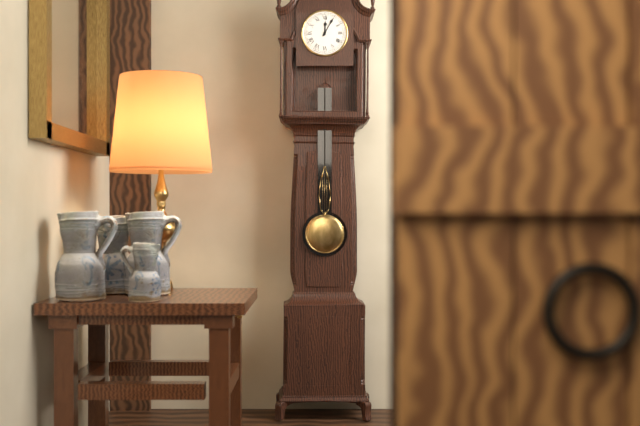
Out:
12.05
